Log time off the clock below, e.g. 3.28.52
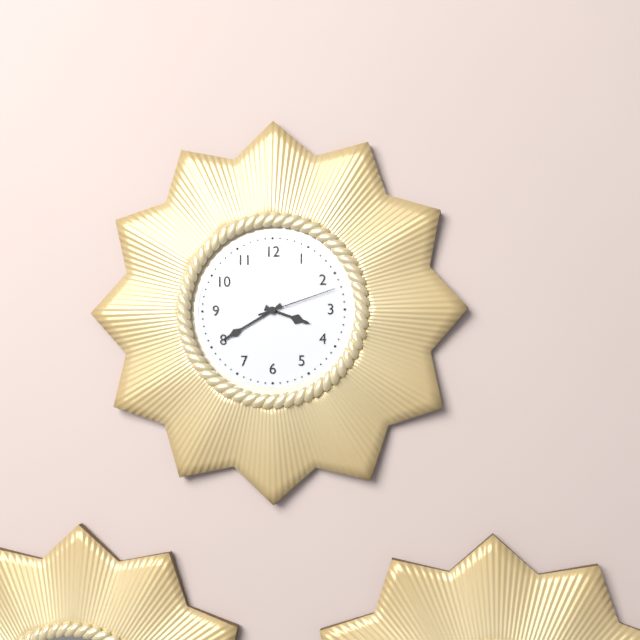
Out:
3.40.12
